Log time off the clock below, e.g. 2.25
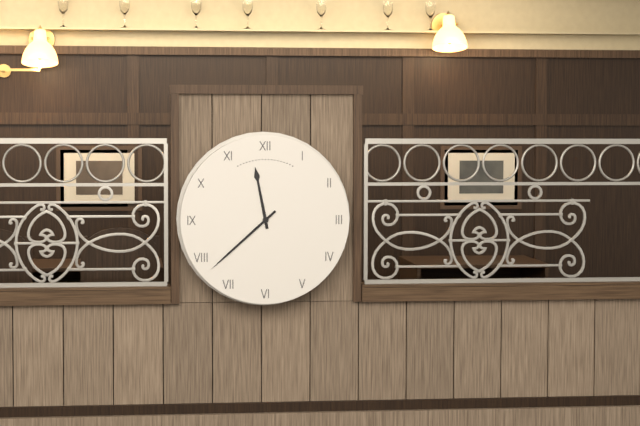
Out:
11.38
